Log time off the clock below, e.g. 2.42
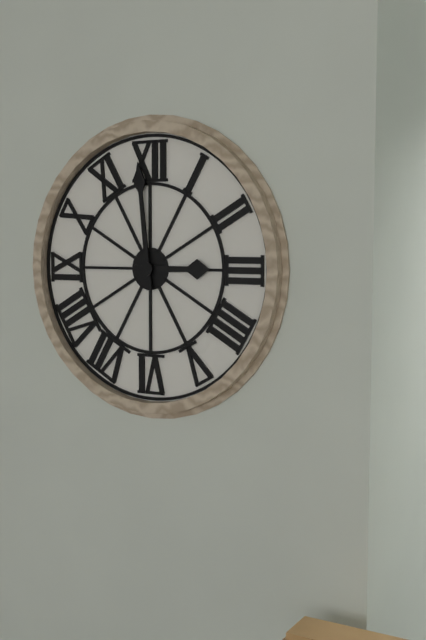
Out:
2.59
